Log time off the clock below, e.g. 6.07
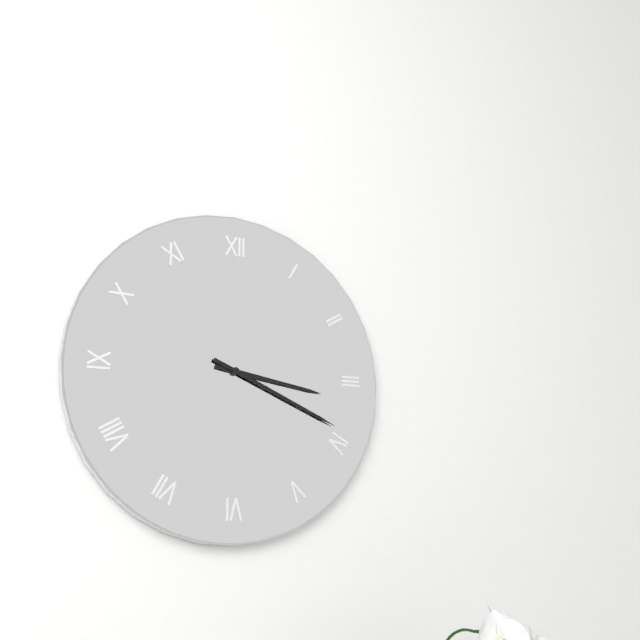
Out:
3.19
